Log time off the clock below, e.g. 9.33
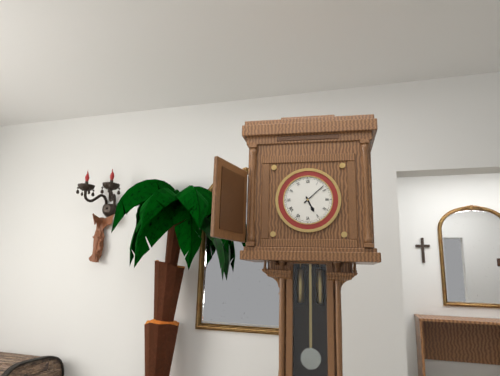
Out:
5.08
